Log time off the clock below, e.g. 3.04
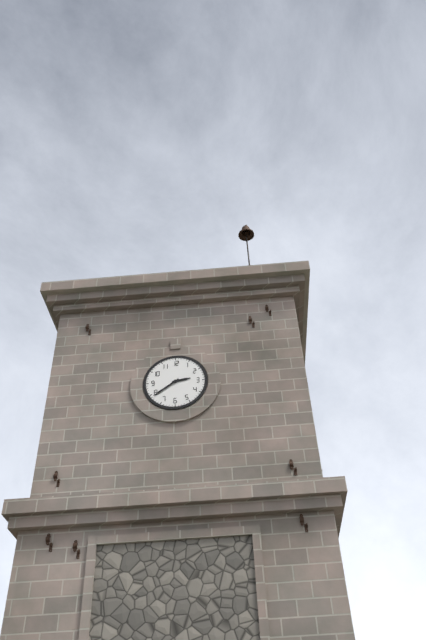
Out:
2.39
